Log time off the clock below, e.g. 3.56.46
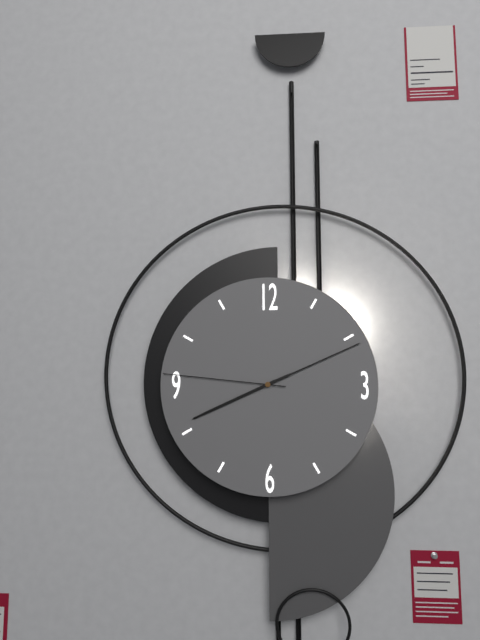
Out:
8.11.46
